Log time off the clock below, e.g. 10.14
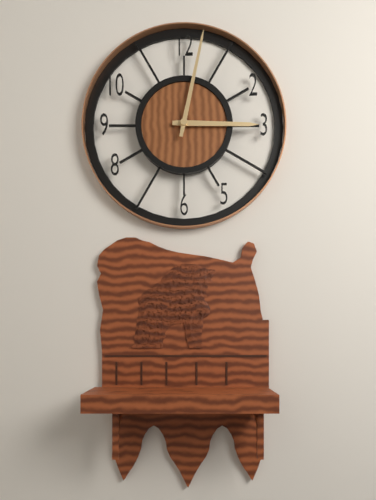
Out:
3.02
